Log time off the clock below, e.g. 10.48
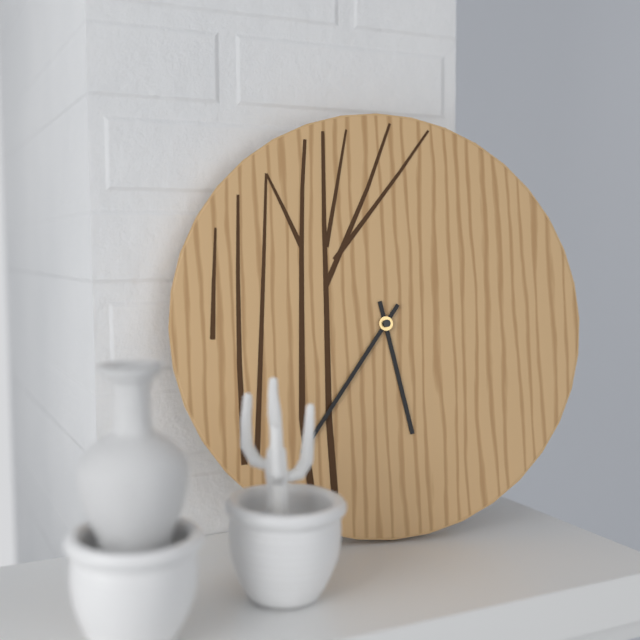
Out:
5.36
